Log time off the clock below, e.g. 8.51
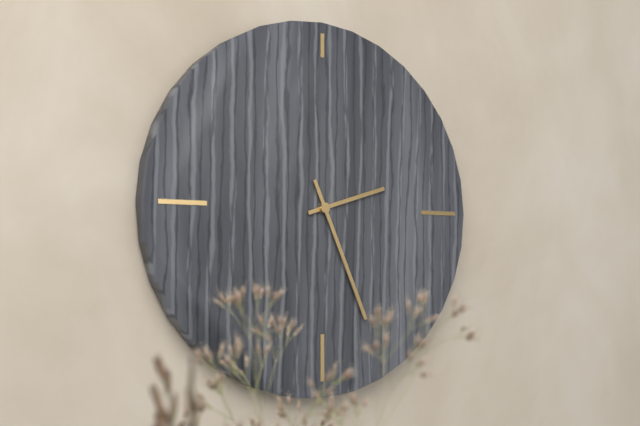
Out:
2.26
